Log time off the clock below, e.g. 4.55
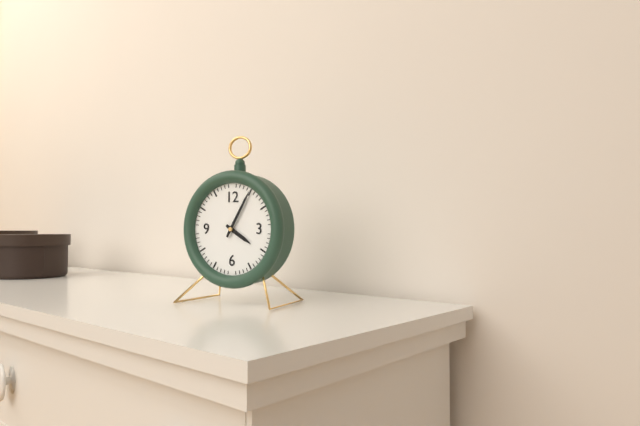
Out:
4.05
